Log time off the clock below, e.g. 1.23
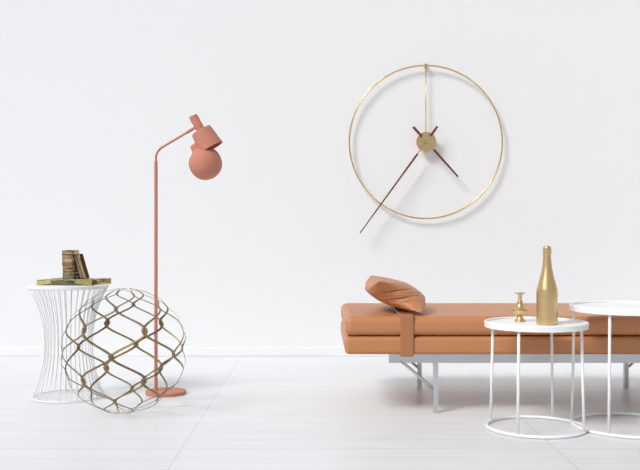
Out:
4.36
